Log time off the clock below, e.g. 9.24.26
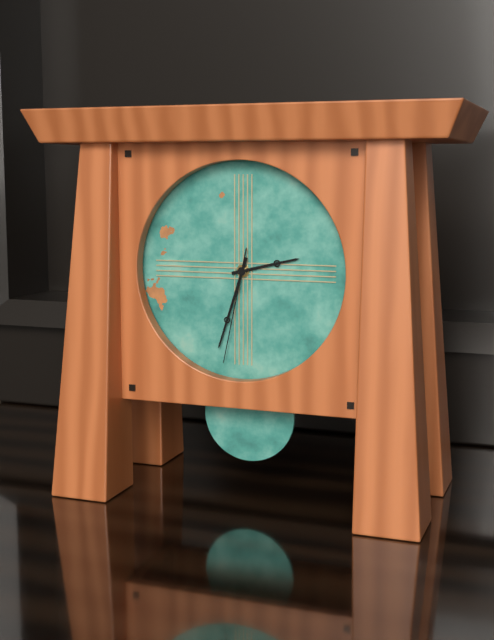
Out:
2.33.32
